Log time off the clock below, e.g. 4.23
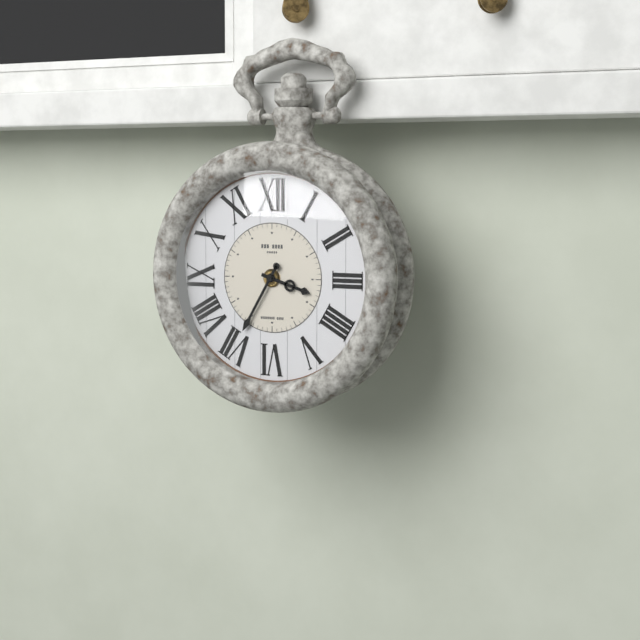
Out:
3.35
